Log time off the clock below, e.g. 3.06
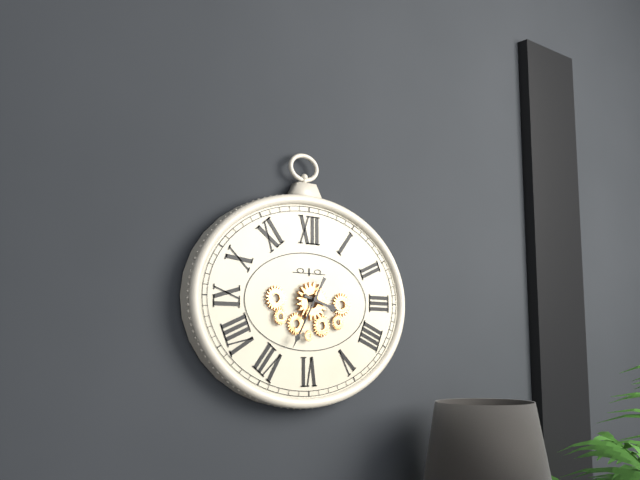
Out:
3.35
